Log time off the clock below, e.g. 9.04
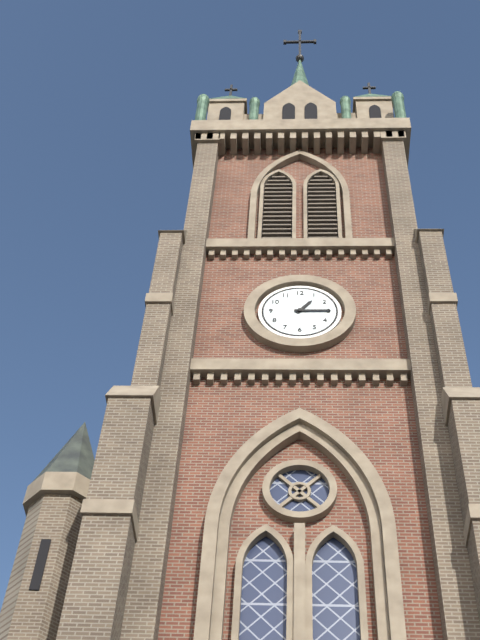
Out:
1.15
